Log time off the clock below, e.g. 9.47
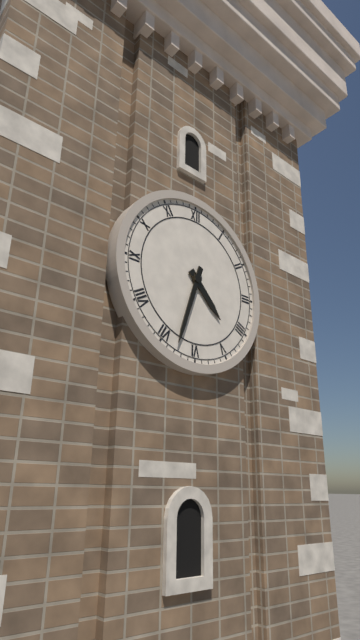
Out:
4.33
